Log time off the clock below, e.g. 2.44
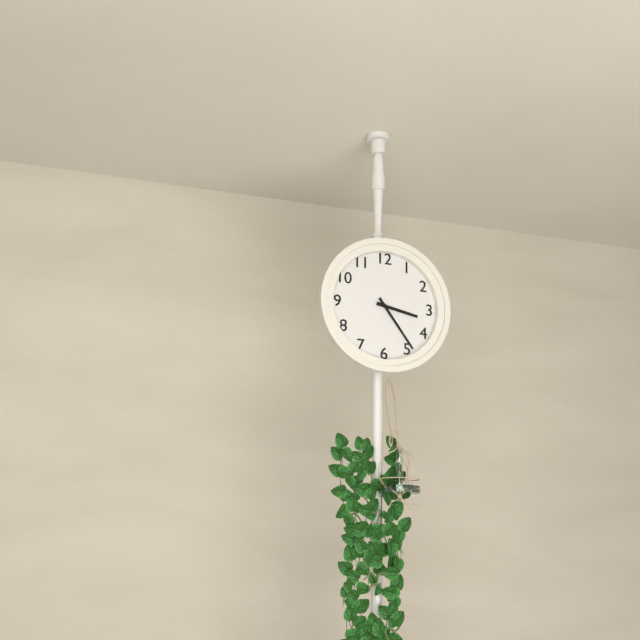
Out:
3.24
